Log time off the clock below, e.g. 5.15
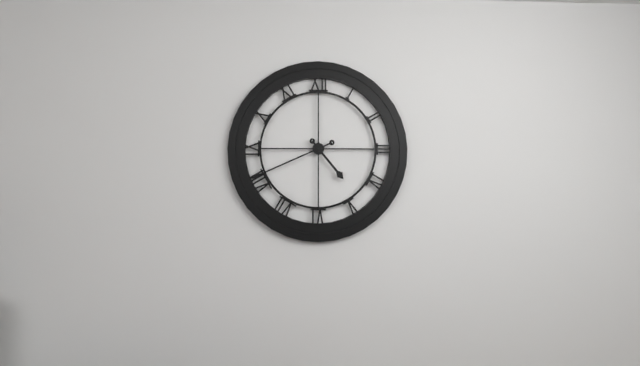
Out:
4.41
